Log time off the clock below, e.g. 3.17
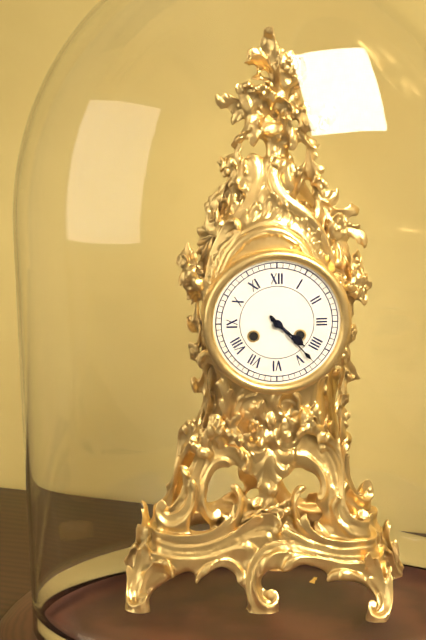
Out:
4.23
